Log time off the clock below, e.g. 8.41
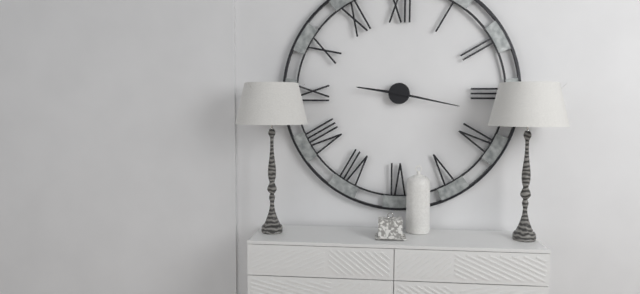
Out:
9.17
